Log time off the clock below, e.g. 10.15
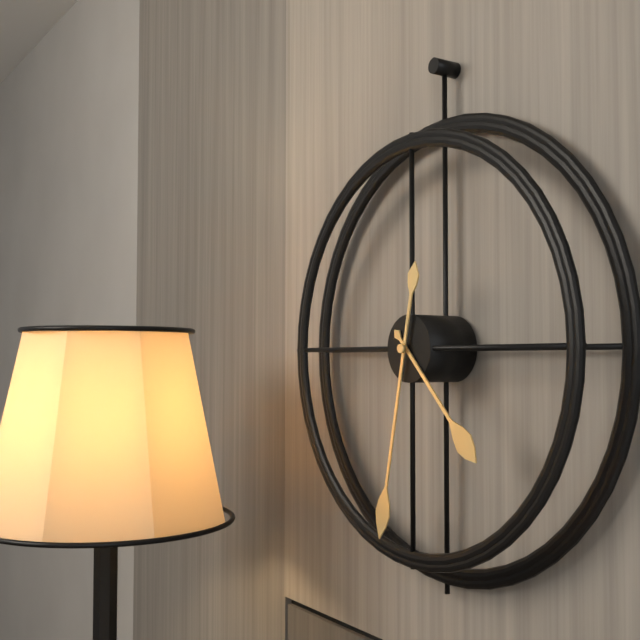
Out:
4.32
